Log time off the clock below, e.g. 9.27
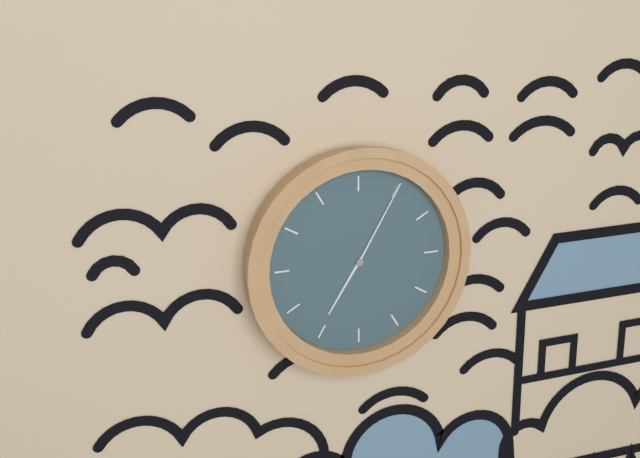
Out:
7.05
